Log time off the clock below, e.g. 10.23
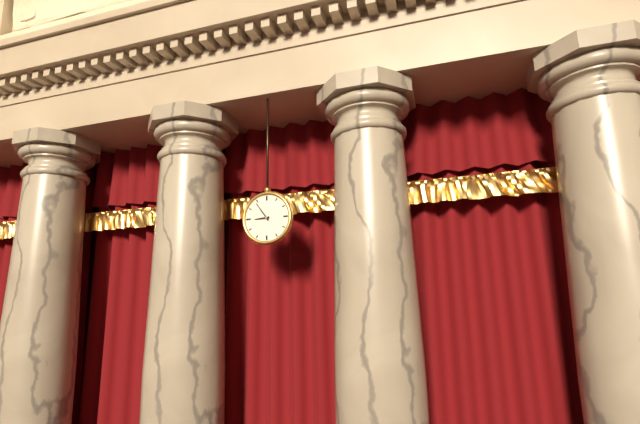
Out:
8.54
